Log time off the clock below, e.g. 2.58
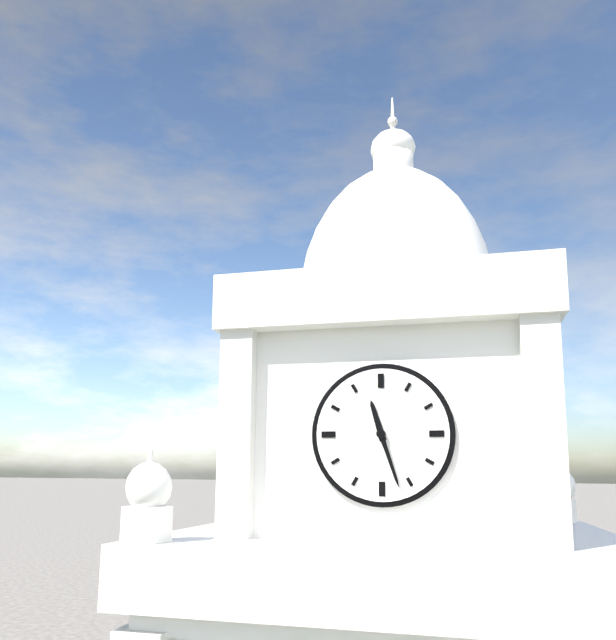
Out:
11.27
